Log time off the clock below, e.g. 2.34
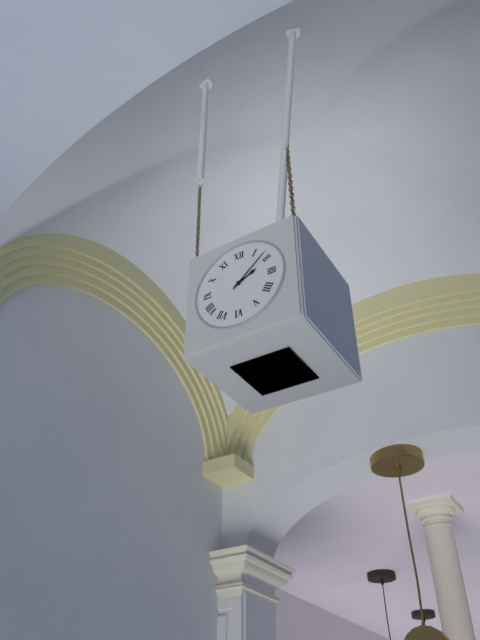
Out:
2.08
